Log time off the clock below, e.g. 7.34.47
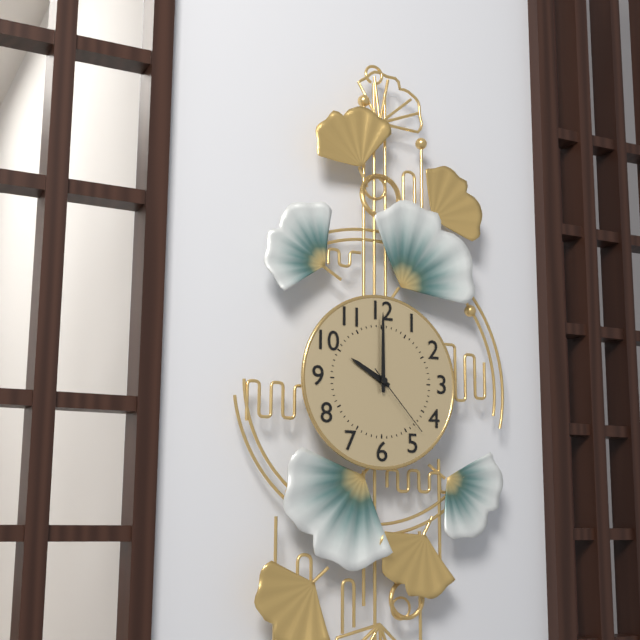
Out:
10.00.23
